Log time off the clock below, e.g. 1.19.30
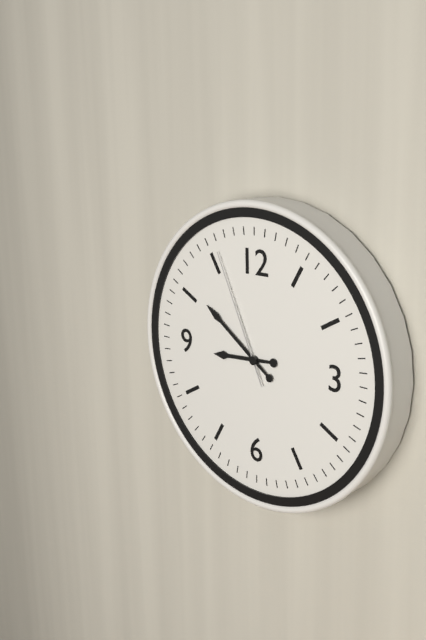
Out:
8.51.56
